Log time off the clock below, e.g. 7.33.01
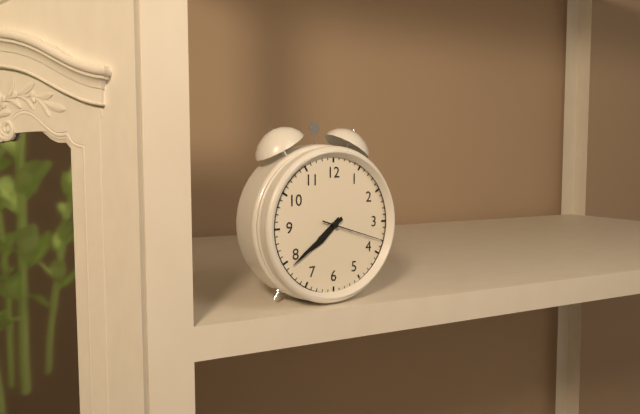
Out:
7.39.18
